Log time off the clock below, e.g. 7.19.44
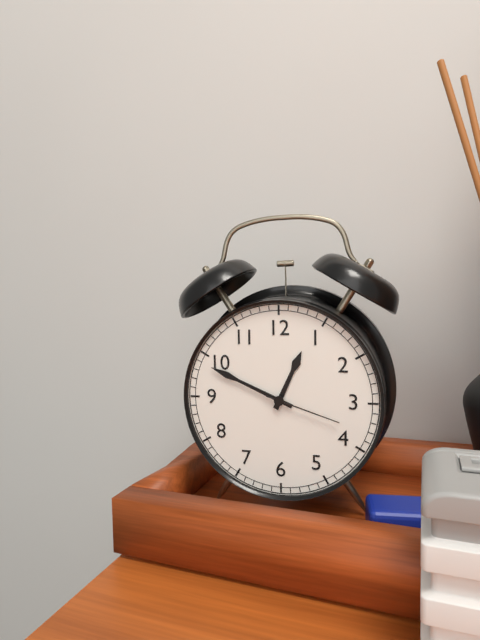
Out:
12.49.18
